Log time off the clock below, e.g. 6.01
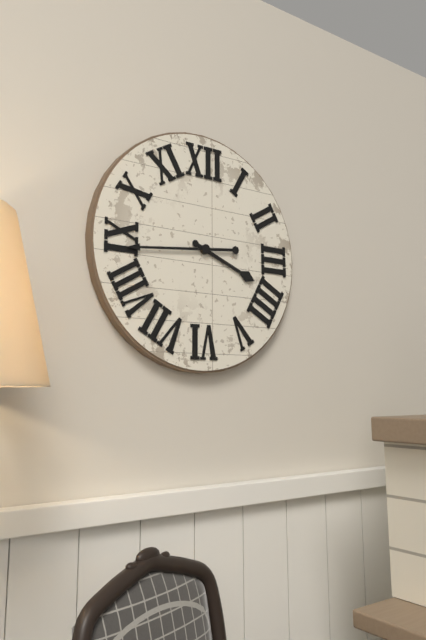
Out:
3.44
